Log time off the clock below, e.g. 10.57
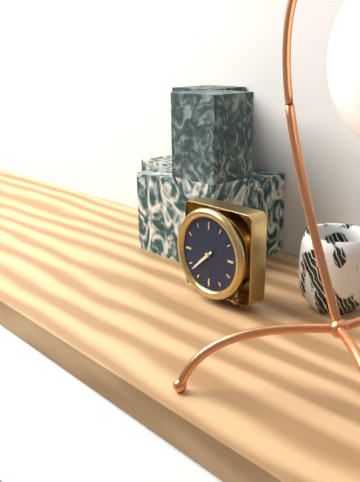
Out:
7.38
